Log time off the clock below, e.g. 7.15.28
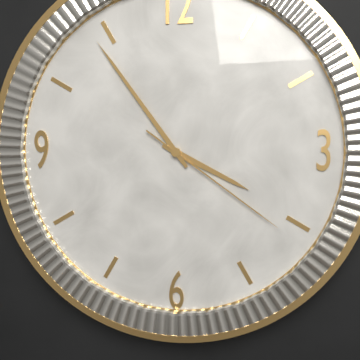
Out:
3.54.21
